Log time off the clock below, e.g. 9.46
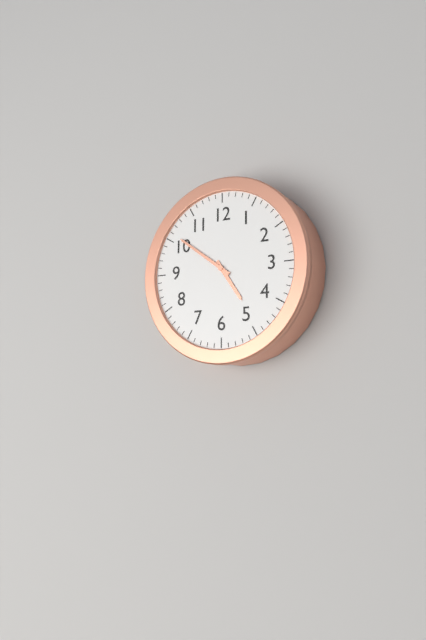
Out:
4.51
